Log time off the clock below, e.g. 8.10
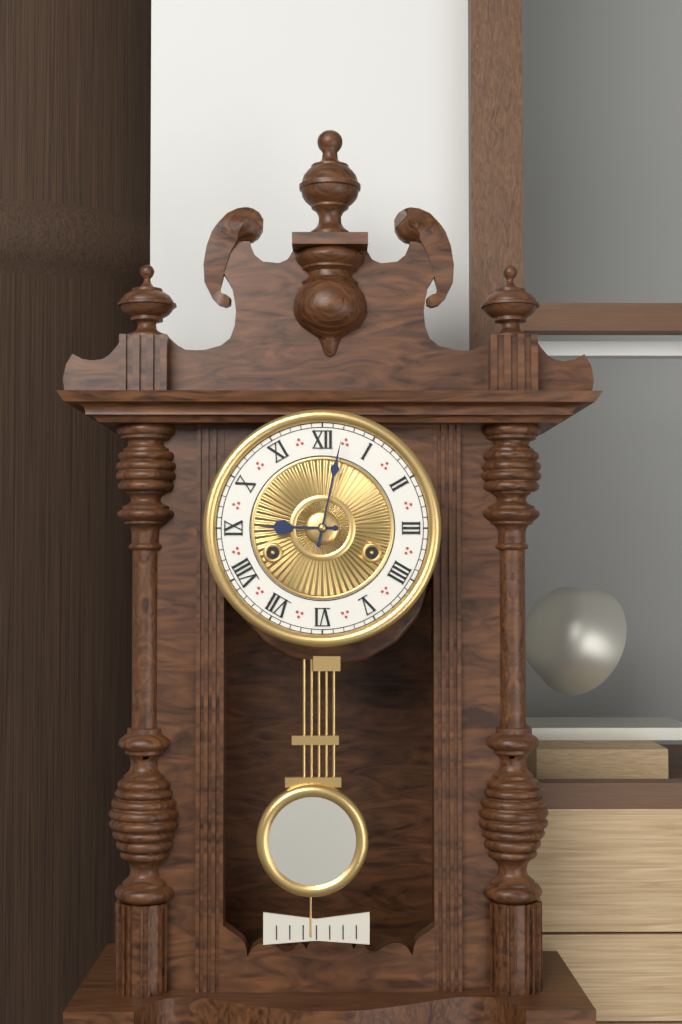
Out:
9.02
